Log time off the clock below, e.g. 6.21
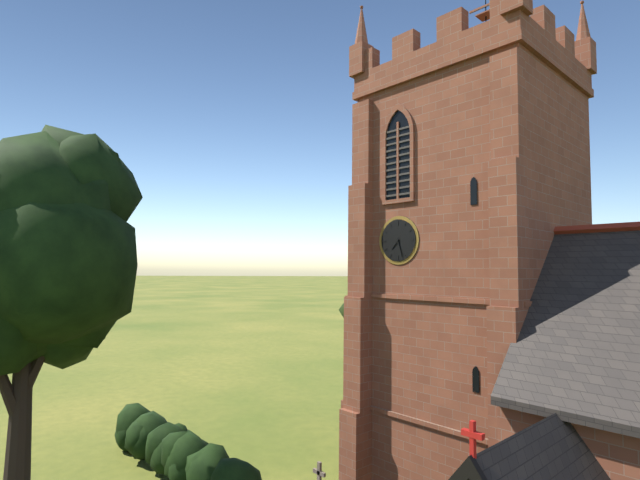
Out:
7.27
